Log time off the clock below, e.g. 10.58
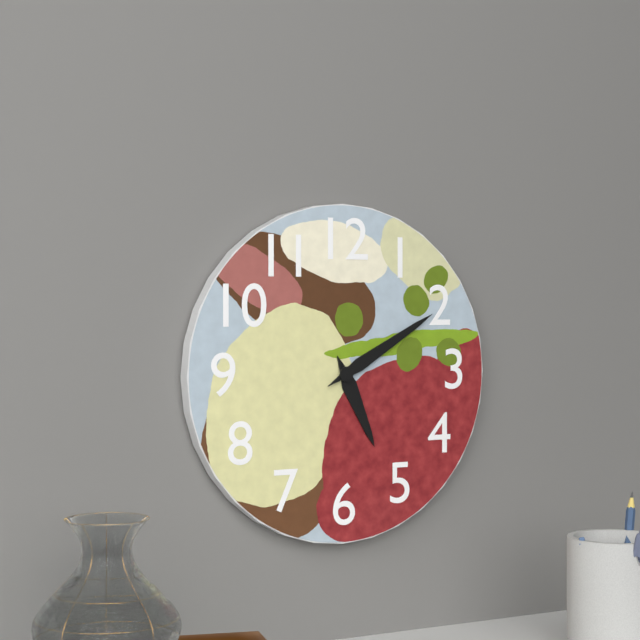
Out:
5.10
